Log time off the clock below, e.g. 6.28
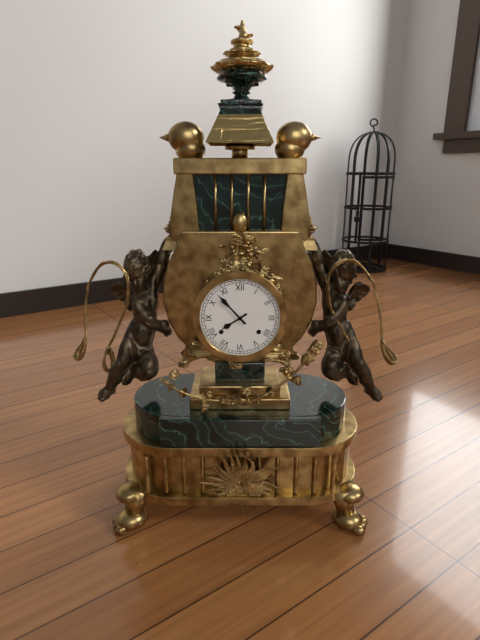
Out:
7.53
